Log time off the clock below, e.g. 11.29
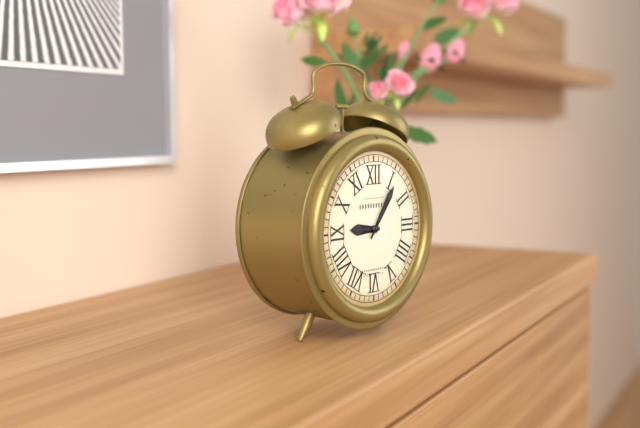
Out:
9.06
